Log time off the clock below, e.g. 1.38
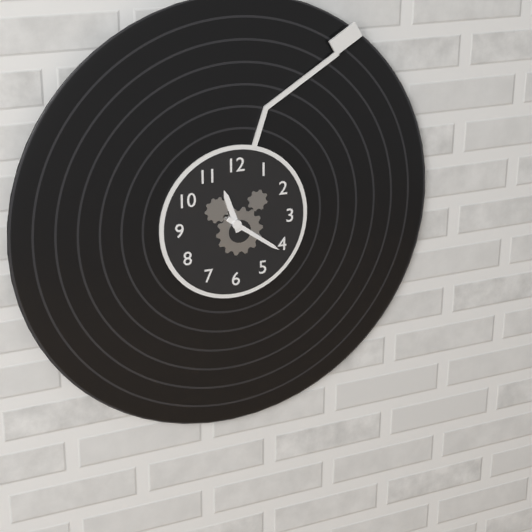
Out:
11.21
